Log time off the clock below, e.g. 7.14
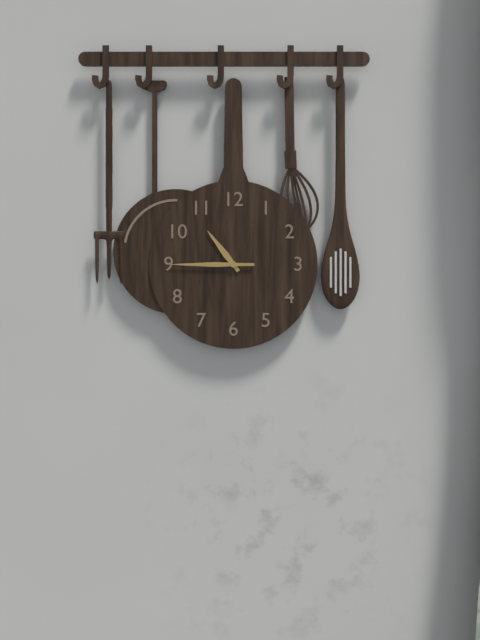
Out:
10.45
